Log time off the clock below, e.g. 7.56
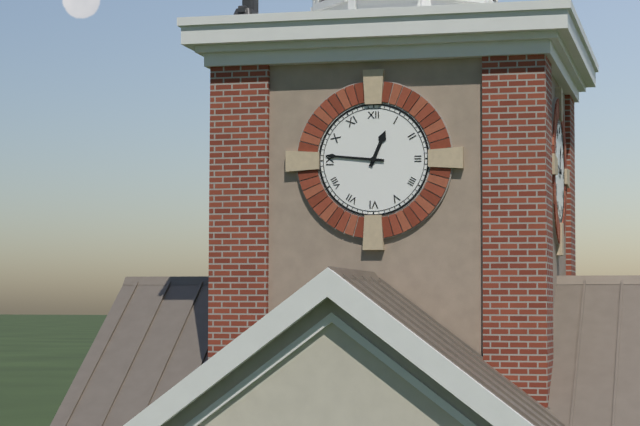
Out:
12.46
